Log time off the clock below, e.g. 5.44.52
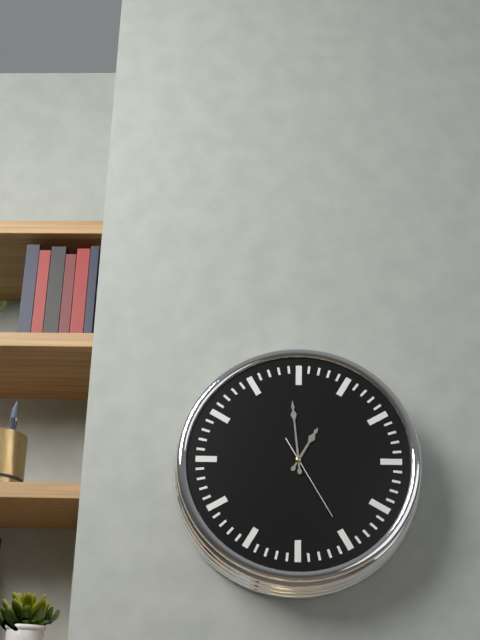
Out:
12.59.25
